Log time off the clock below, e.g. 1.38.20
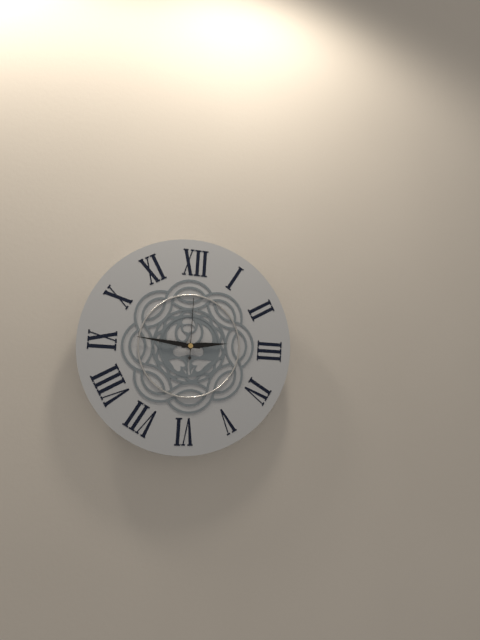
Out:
2.46.00
